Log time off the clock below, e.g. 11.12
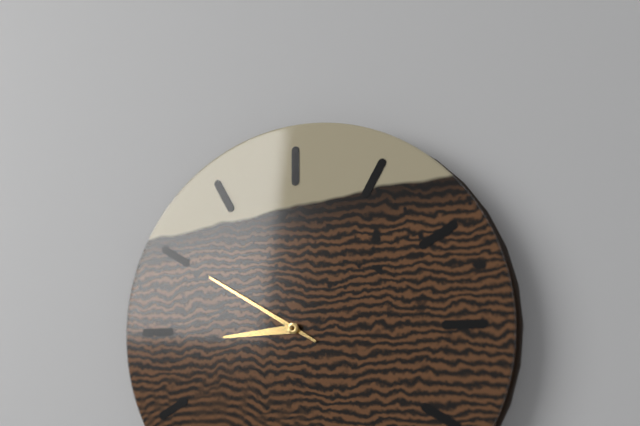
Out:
8.50
